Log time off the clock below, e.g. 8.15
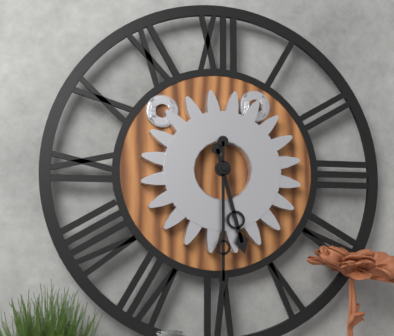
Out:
5.30
